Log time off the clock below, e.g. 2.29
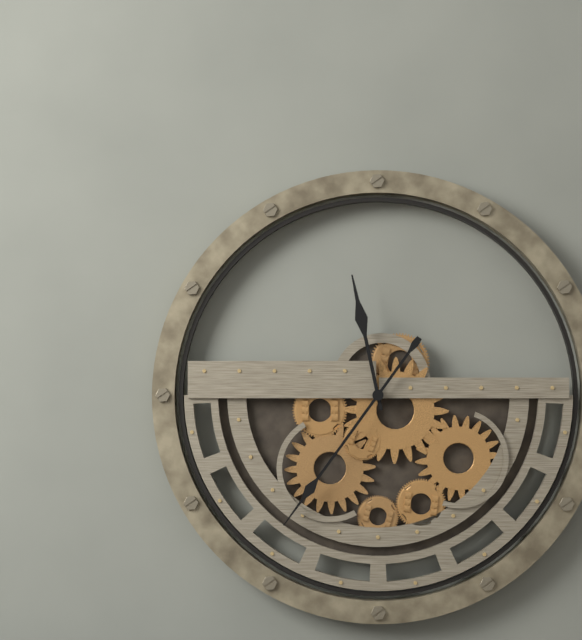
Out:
11.36
